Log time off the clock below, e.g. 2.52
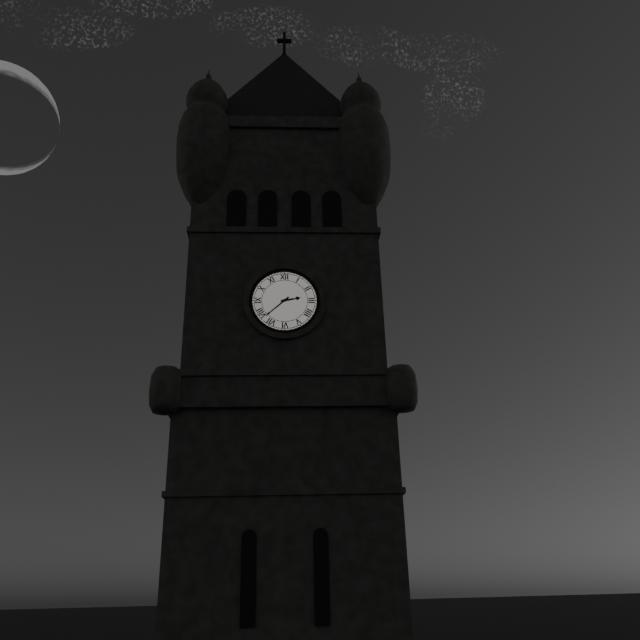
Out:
2.38
